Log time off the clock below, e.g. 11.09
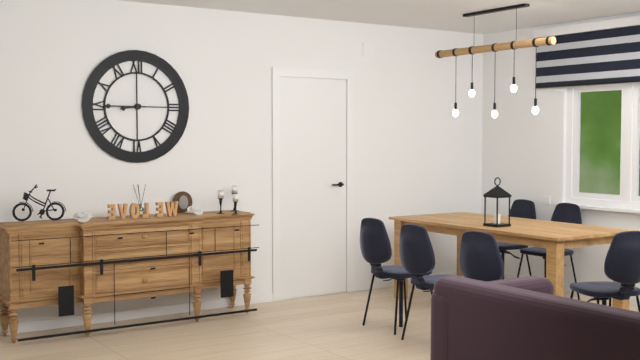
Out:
8.45
